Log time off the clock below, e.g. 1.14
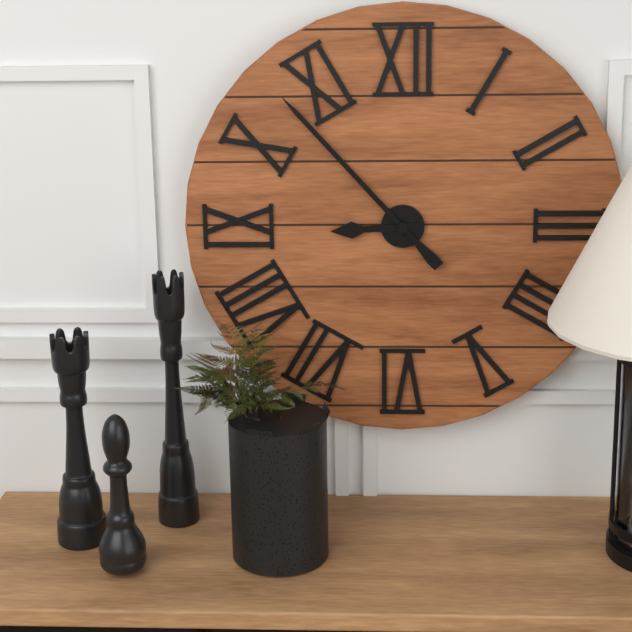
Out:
8.53
